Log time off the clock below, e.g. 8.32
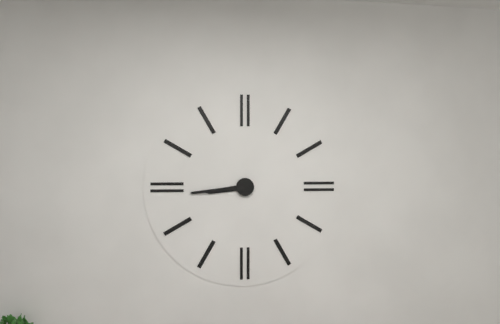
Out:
8.44
